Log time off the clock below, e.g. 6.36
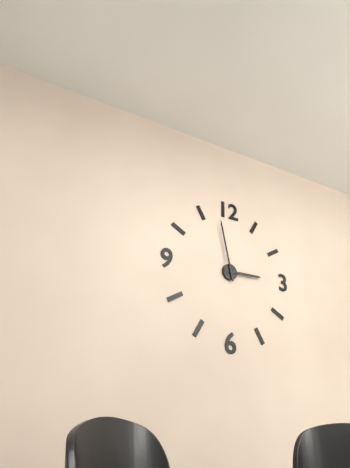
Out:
2.58
